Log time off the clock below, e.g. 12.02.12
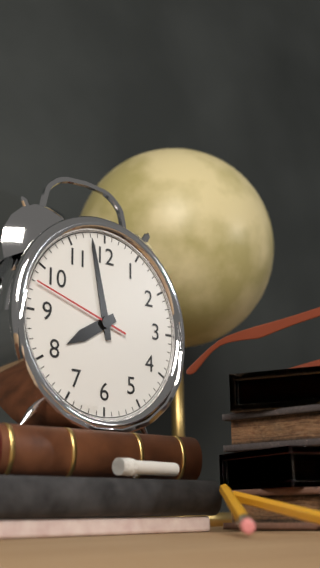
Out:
7.58.48
